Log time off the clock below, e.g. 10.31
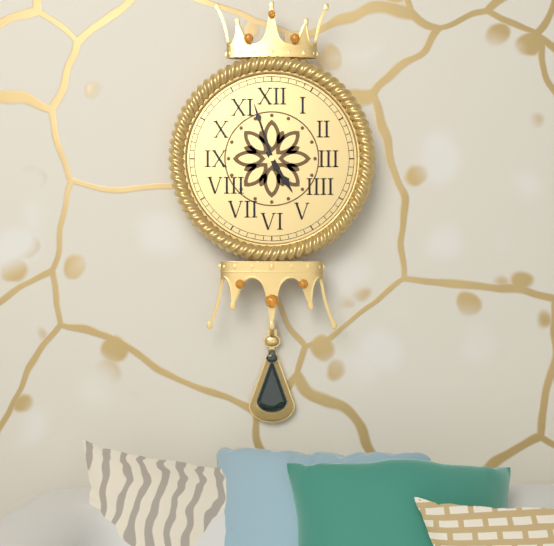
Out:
4.57
